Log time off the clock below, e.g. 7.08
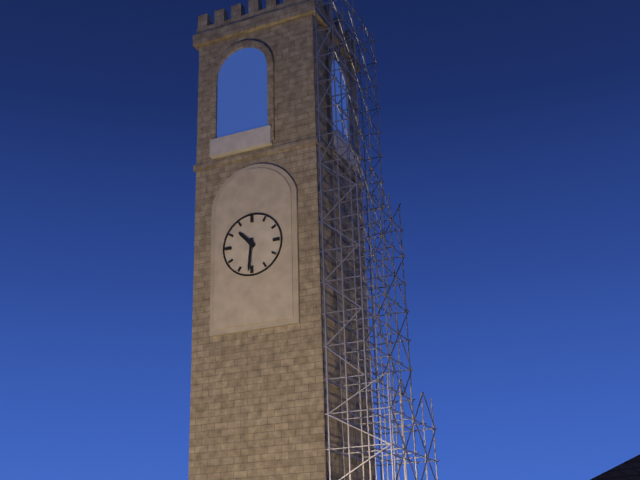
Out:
10.31
